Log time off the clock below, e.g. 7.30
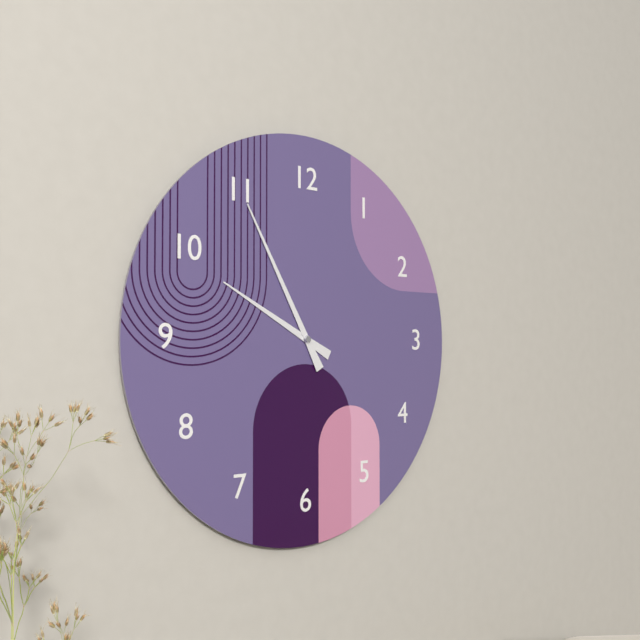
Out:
9.55
